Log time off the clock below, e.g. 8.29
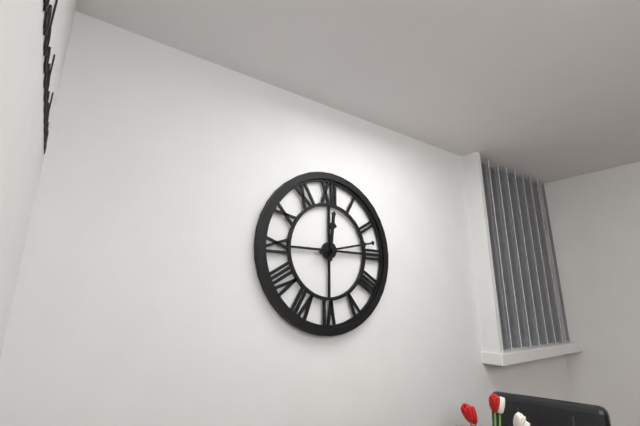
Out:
12.13
